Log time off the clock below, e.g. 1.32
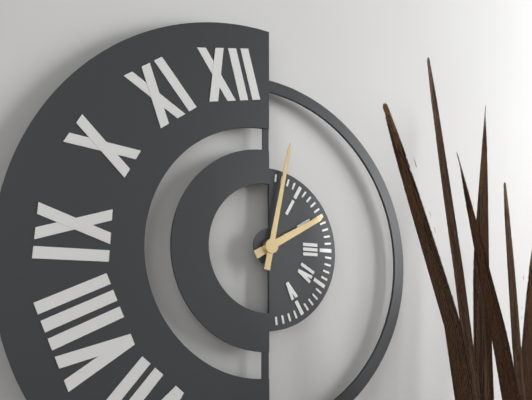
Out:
2.02
